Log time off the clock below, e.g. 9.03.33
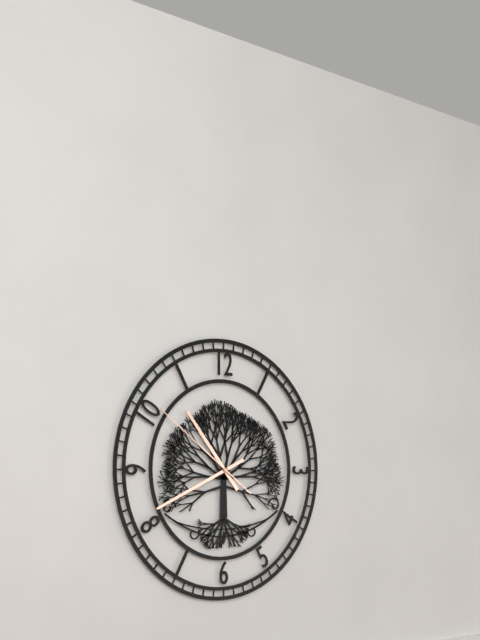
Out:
10.41.51
